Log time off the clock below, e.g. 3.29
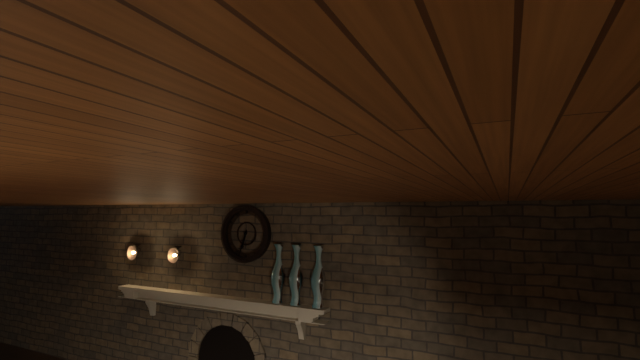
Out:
6.33
